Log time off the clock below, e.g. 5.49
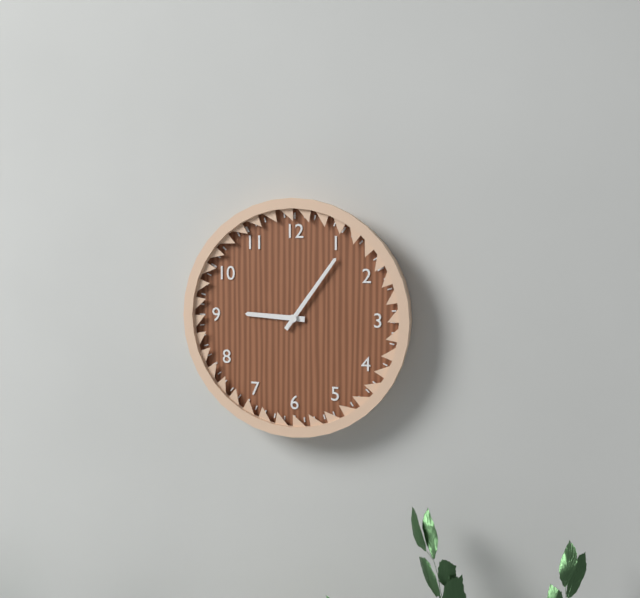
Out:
9.06
